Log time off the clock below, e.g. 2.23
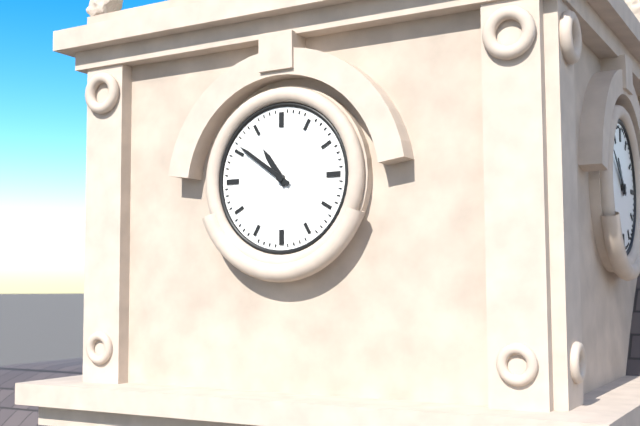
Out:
10.51
